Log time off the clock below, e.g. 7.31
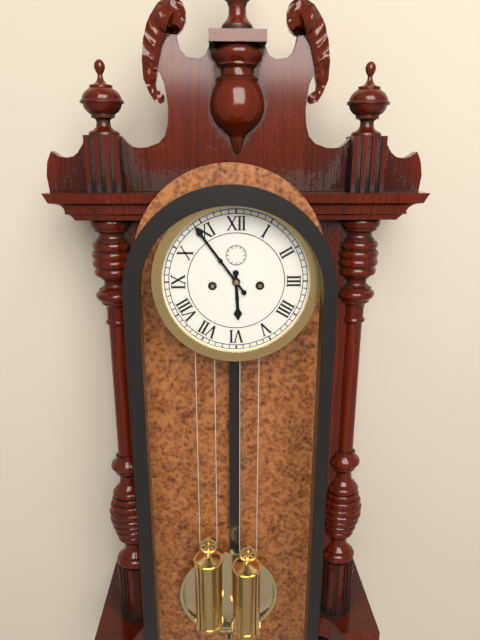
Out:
5.54
